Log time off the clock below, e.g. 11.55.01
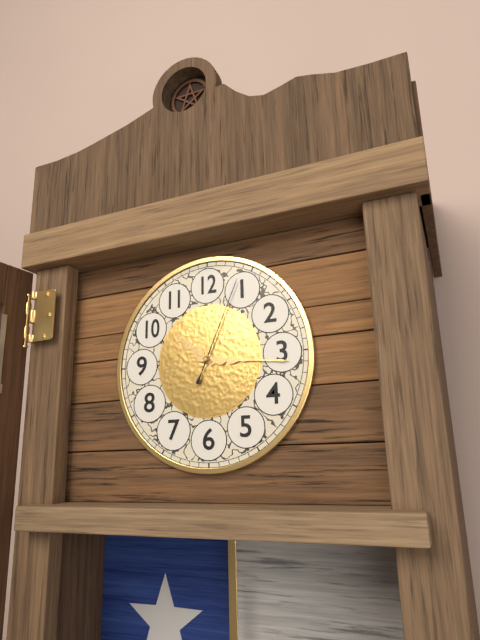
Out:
10.16.04
